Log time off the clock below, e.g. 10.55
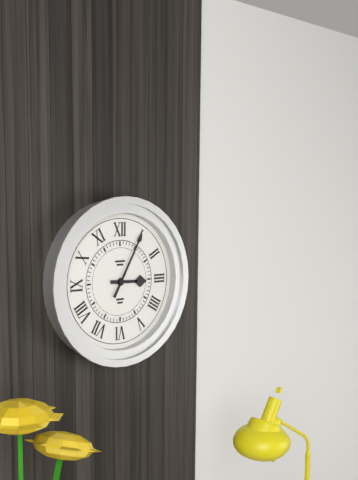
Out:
3.05
